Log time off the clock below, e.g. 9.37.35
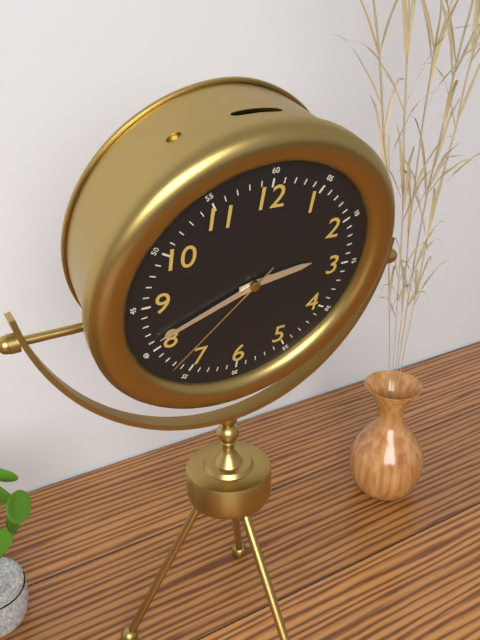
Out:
2.41.37
